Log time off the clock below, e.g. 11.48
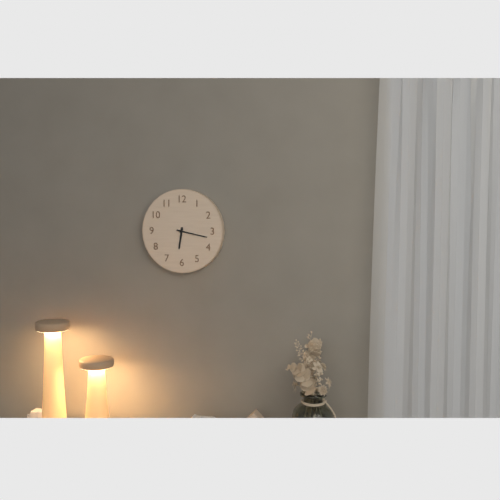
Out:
6.17
